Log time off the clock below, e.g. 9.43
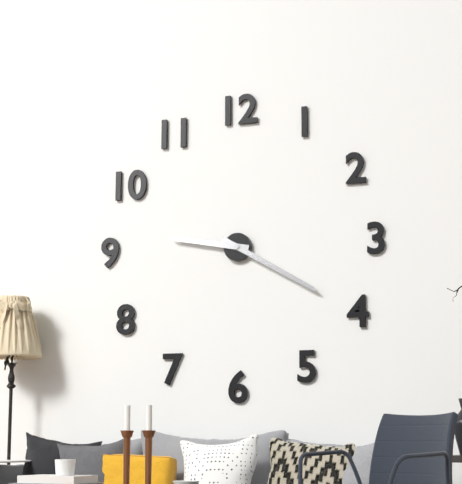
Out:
9.20
